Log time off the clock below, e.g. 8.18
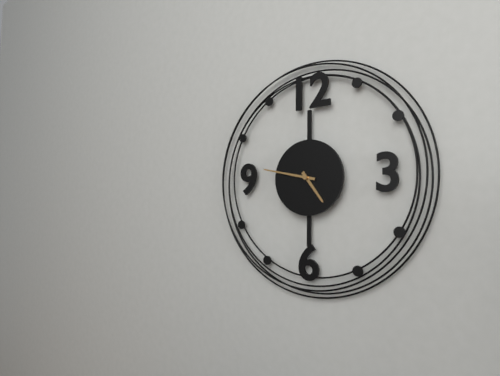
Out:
4.47
